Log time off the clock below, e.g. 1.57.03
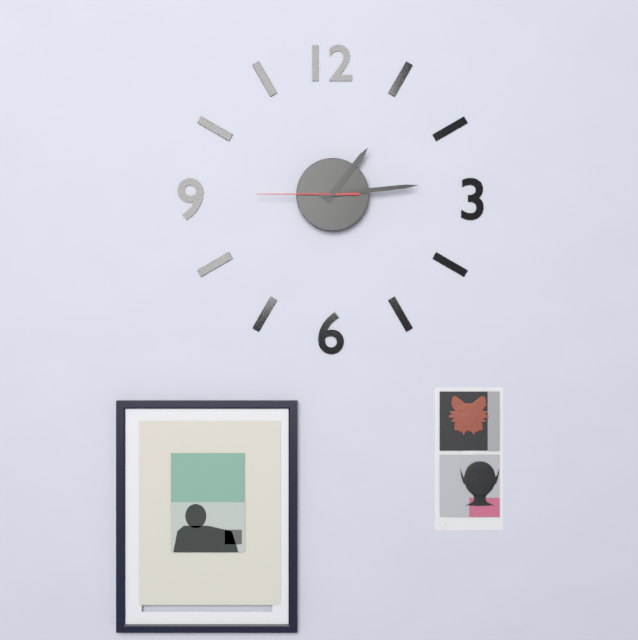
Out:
1.14.45
